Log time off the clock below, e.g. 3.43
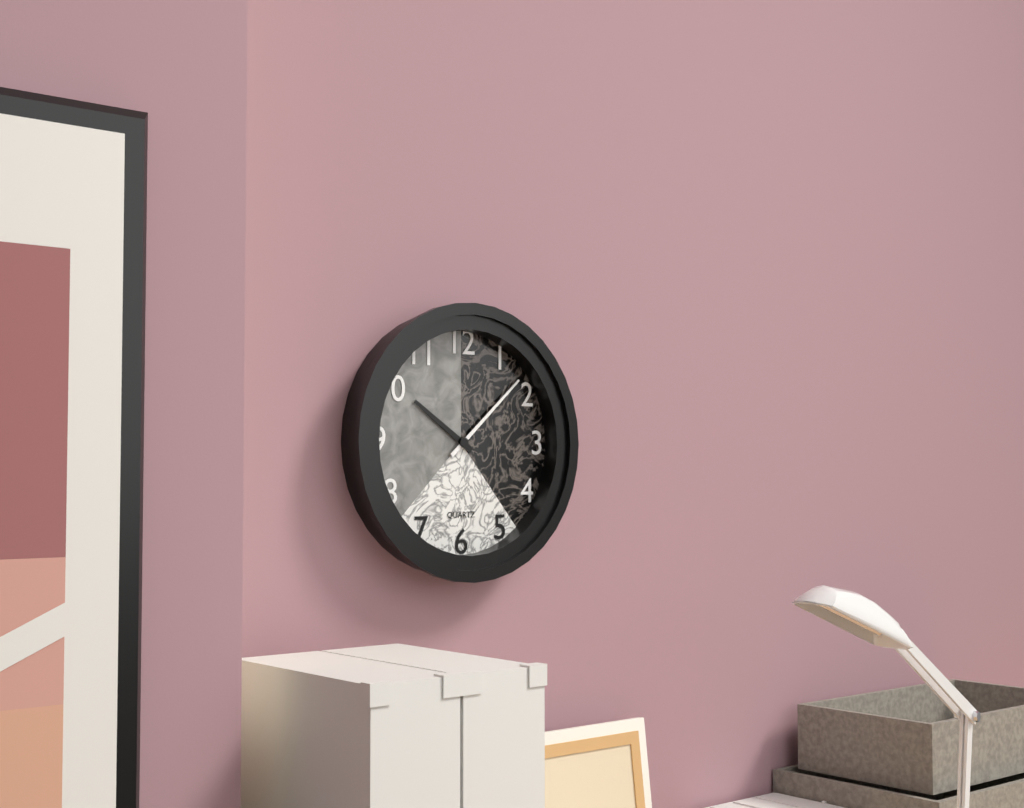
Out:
10.08
